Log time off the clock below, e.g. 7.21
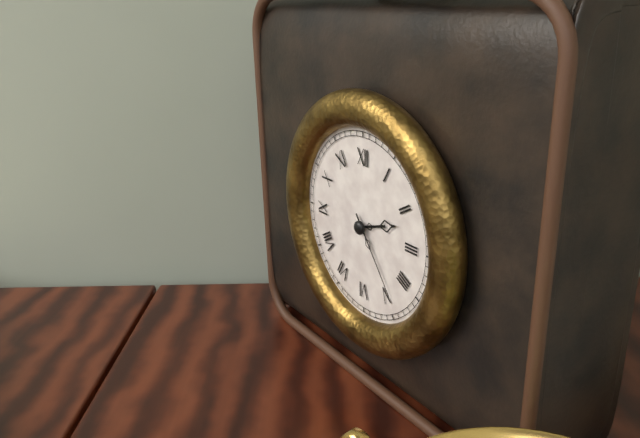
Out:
2.24
